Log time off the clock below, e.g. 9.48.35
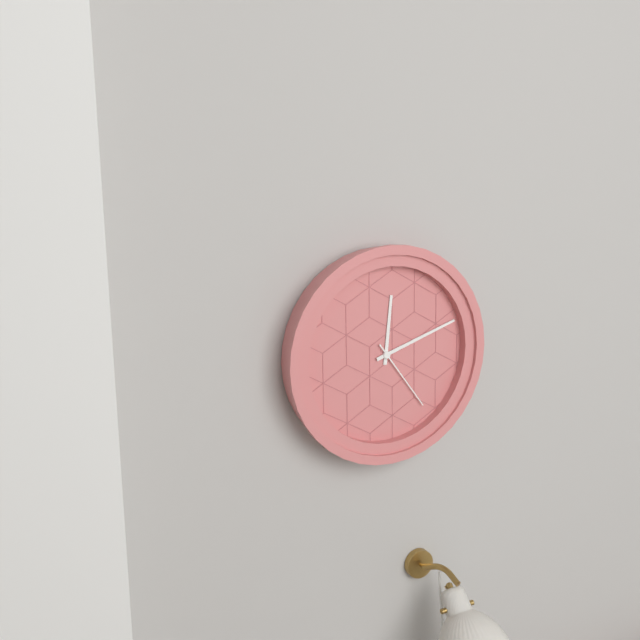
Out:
12.12.24
